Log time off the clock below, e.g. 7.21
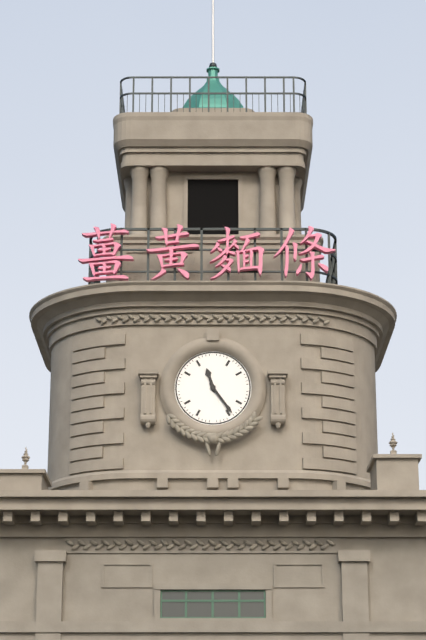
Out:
11.24
